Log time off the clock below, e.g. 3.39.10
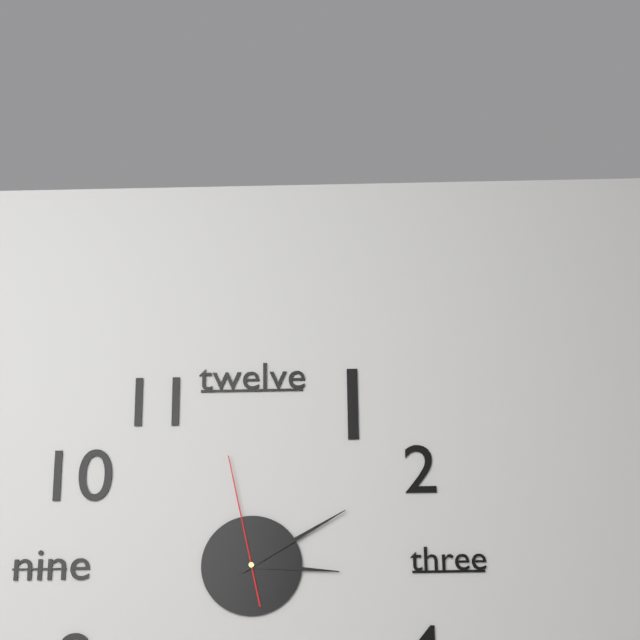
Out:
3.10.58
